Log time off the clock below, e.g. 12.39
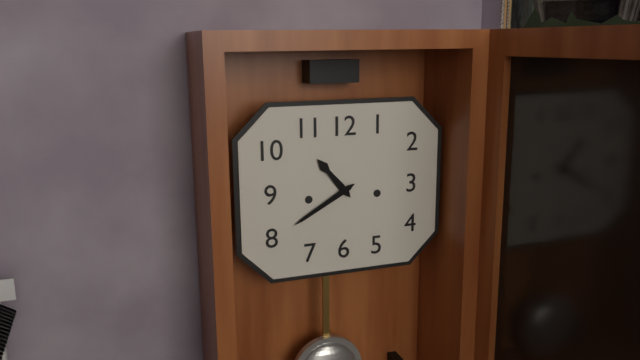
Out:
10.40
